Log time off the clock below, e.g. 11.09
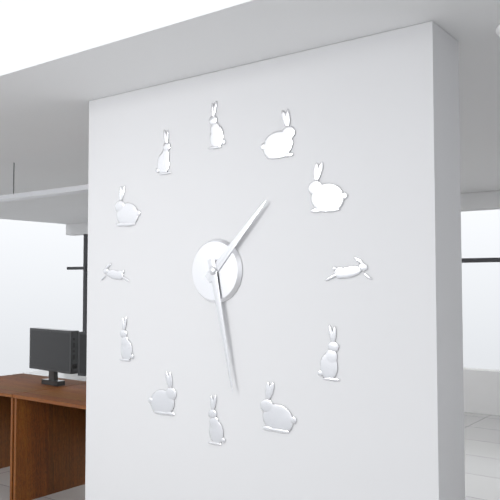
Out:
1.28
